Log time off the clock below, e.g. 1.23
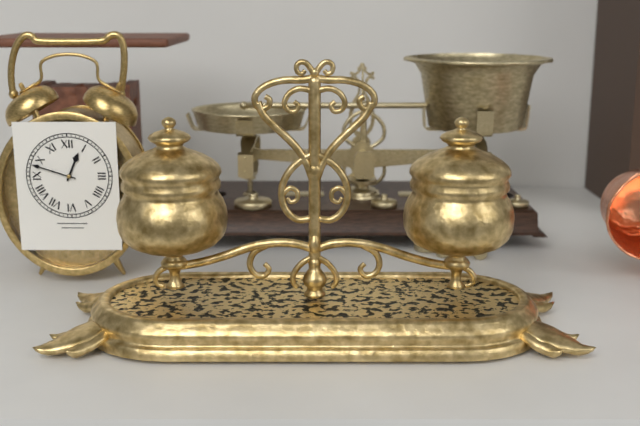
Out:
12.48
